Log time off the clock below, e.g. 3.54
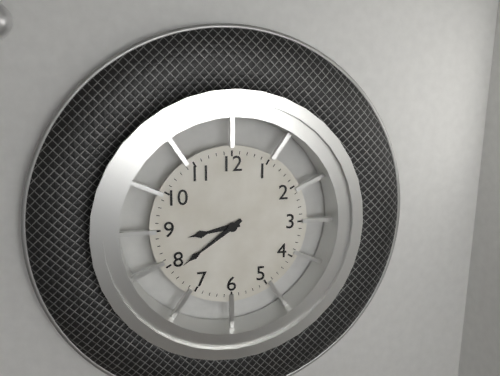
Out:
8.39
